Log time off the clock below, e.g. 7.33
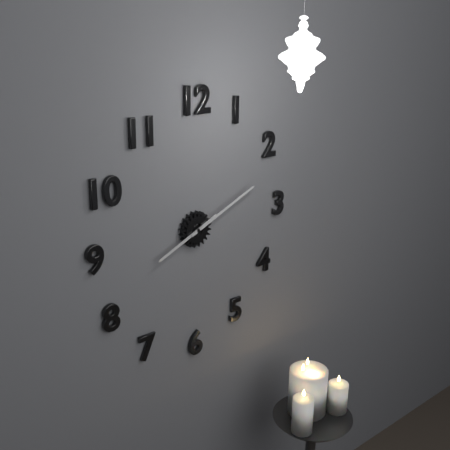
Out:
8.11
